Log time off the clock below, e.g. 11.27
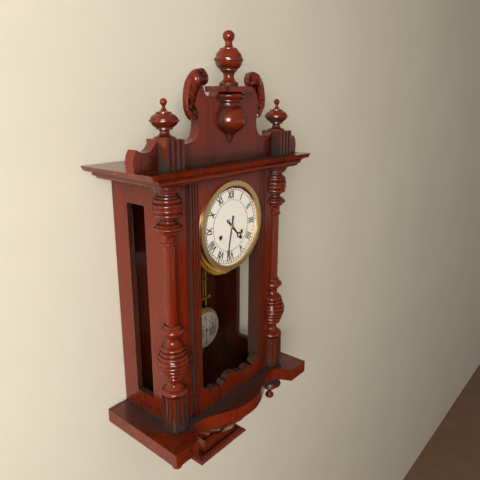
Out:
4.32
